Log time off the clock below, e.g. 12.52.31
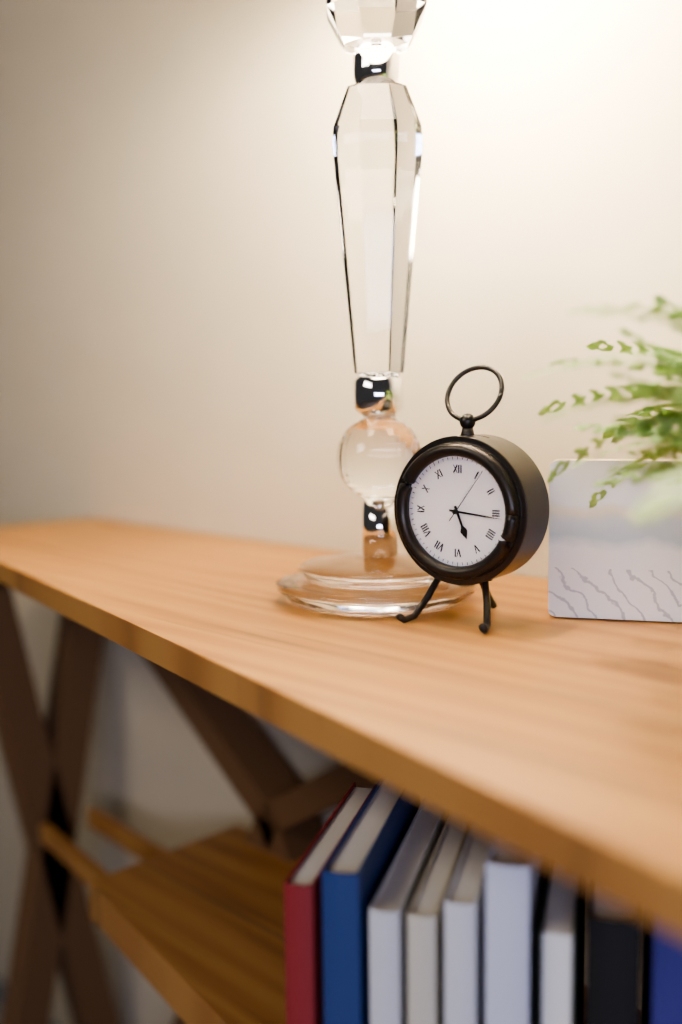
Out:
5.16.06
